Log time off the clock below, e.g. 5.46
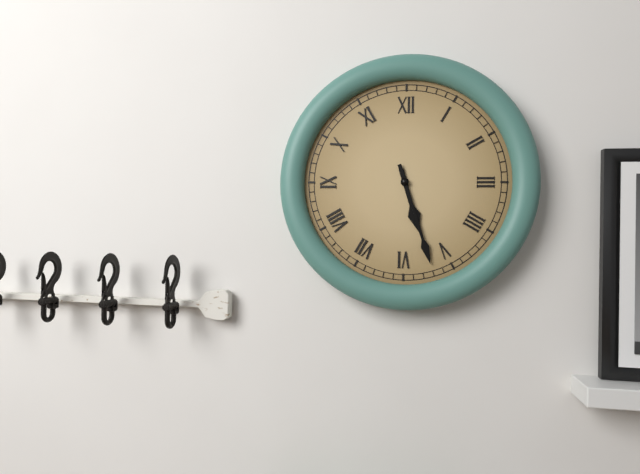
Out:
5.27
